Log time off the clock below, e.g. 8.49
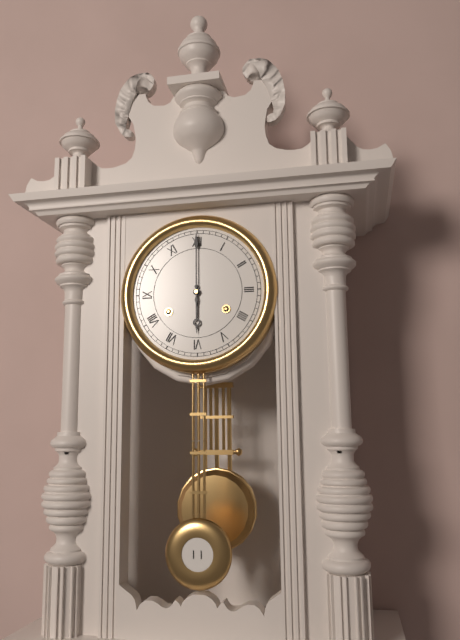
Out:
6.00
